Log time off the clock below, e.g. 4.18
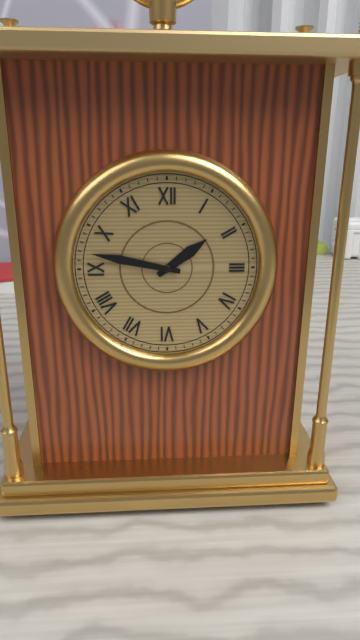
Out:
1.47
